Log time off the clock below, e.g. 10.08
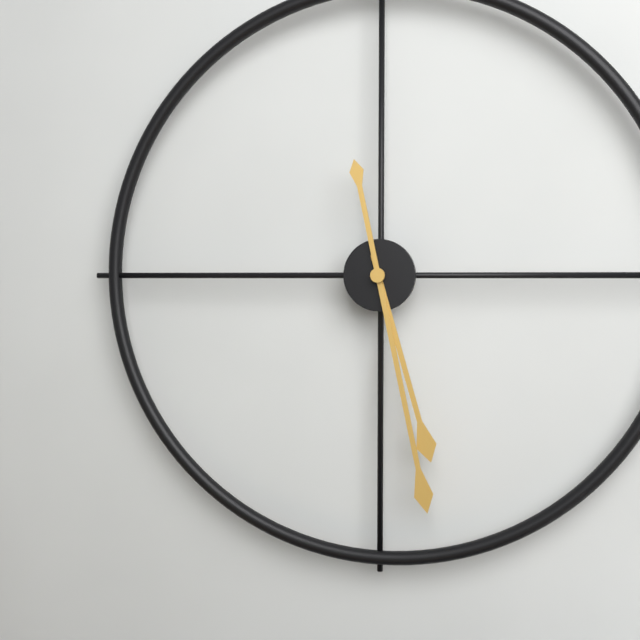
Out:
5.28
